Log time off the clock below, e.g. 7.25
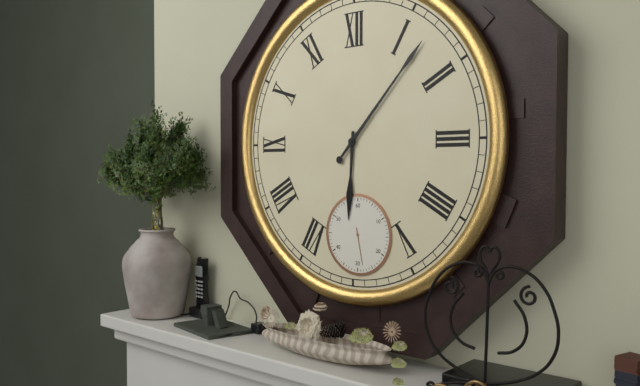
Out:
6.07
